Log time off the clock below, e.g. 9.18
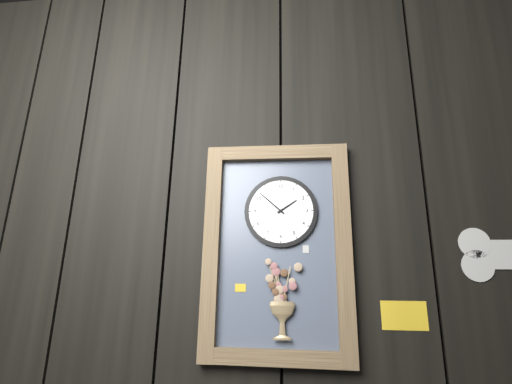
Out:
1.52
